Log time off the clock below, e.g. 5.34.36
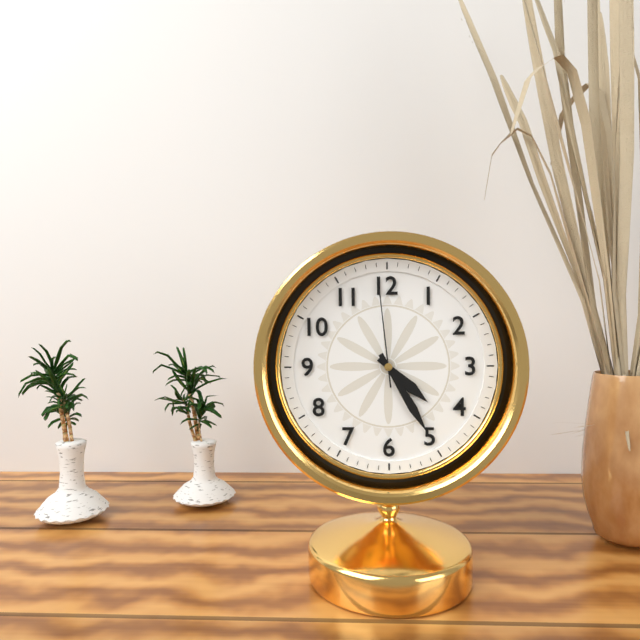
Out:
4.25.59
